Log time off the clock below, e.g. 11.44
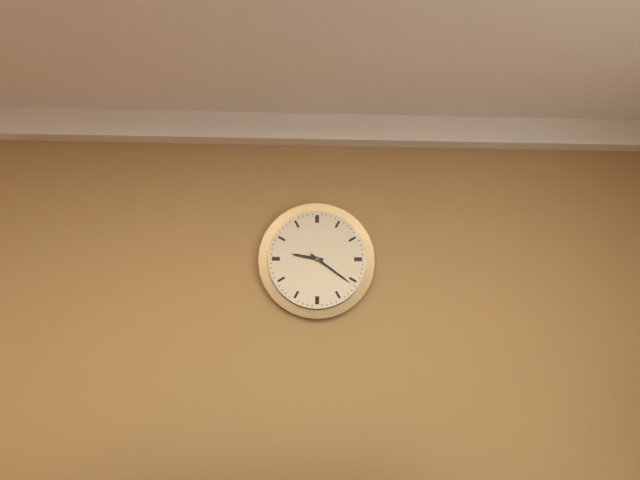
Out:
9.21
